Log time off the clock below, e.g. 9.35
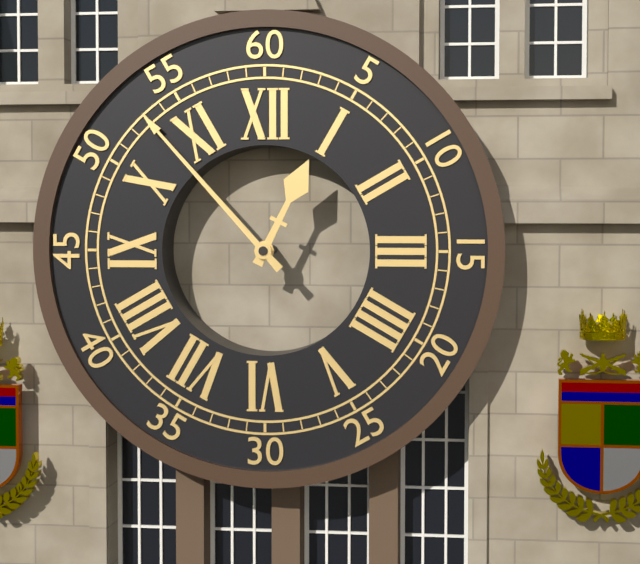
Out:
12.53
